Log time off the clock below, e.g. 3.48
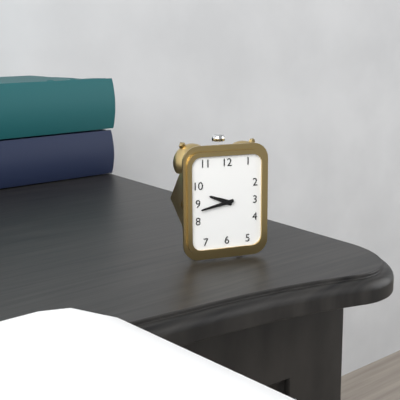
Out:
9.43
